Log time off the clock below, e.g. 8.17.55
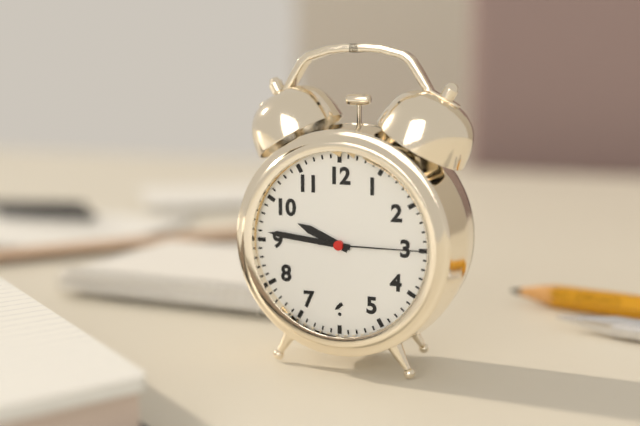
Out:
9.46.15
